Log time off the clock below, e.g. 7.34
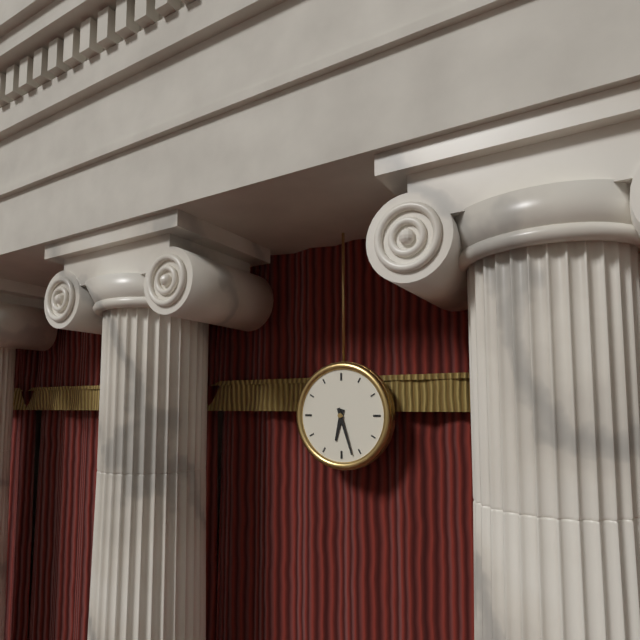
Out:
6.27
